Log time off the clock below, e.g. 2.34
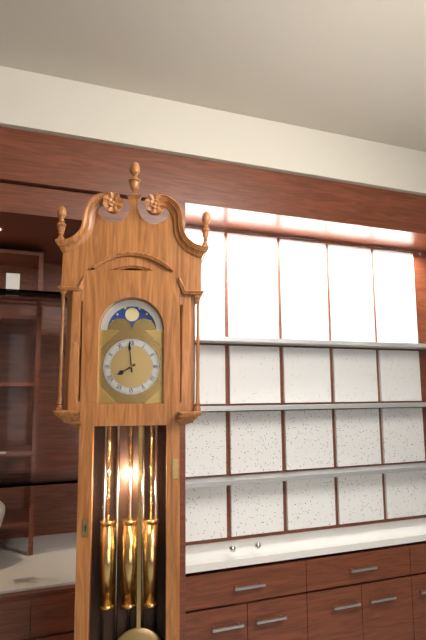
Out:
7.59
